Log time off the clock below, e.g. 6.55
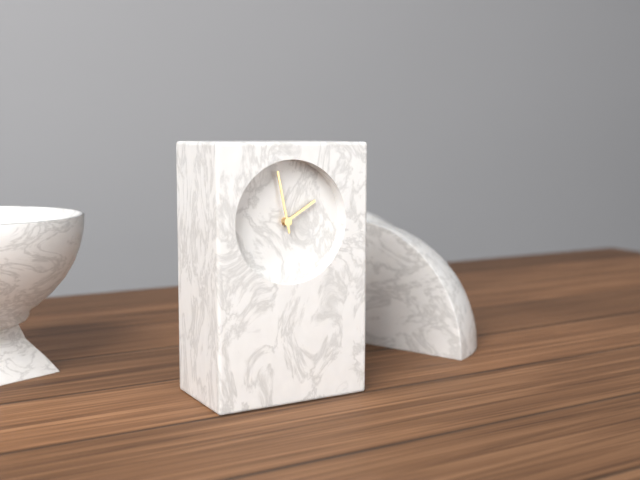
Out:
1.58
